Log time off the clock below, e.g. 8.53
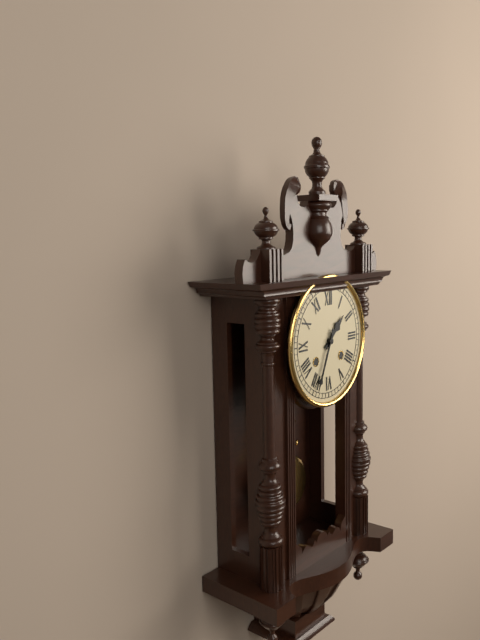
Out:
1.34
